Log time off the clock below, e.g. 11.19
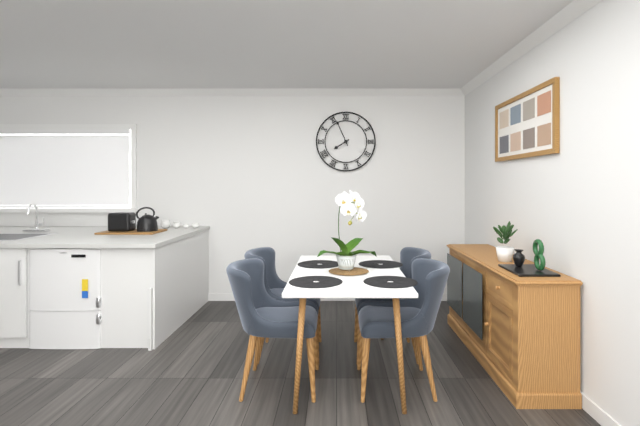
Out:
7.56
